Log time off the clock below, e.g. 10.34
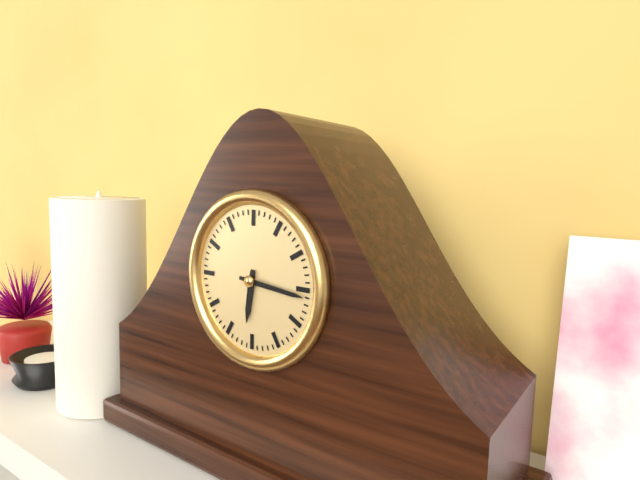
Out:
6.16
